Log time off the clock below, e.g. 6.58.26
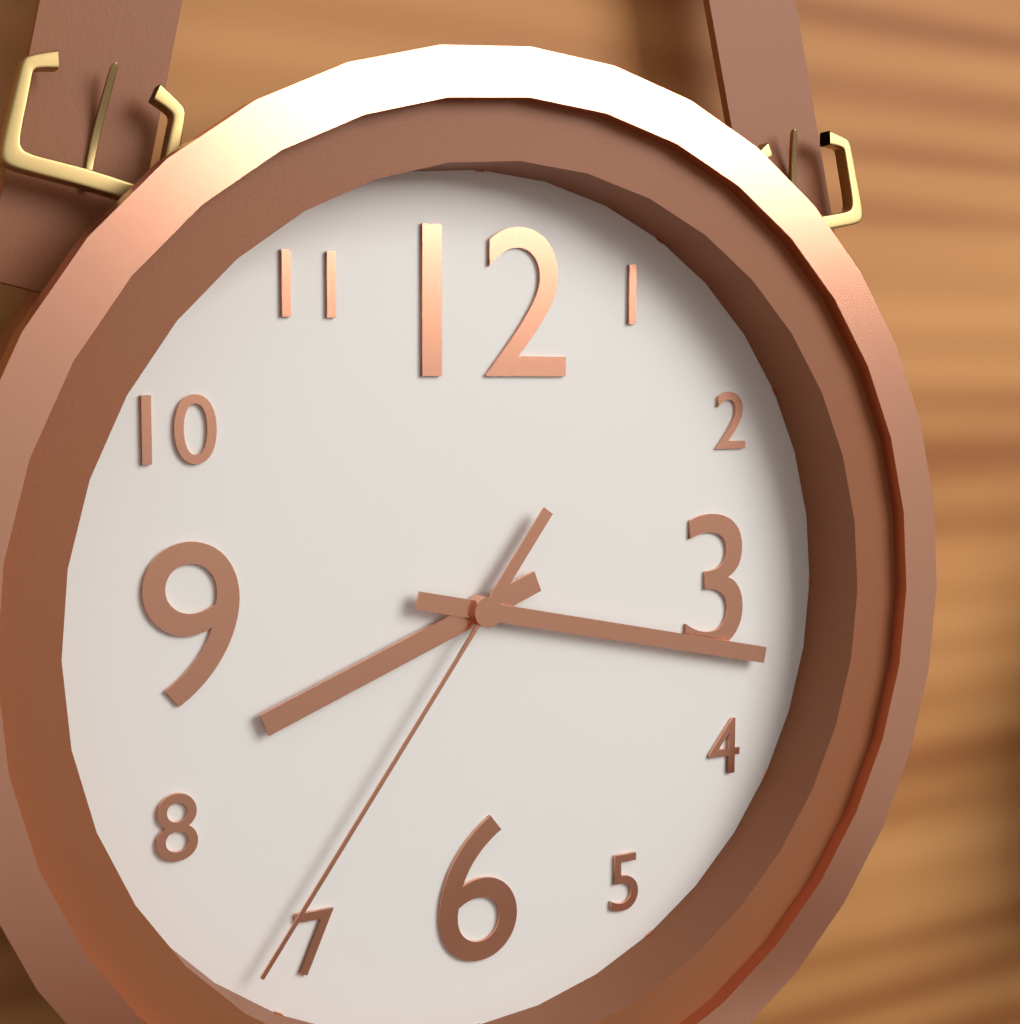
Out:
8.17.36
